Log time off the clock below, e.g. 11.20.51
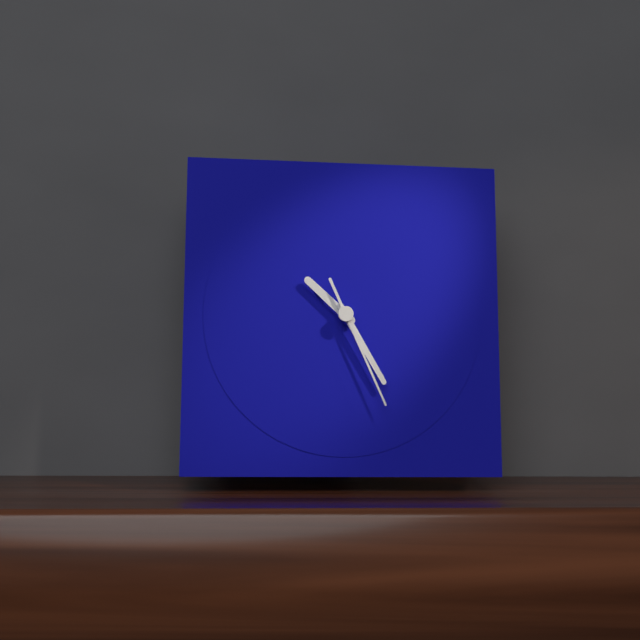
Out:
10.25.26
